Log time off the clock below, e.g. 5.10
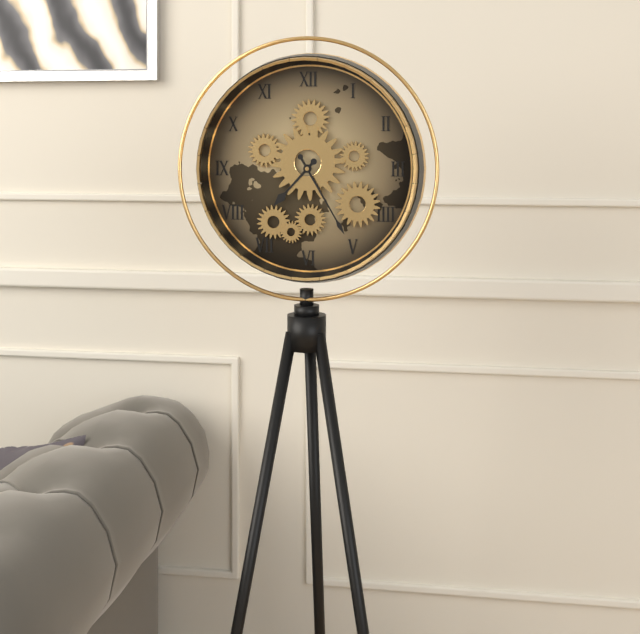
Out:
7.25
